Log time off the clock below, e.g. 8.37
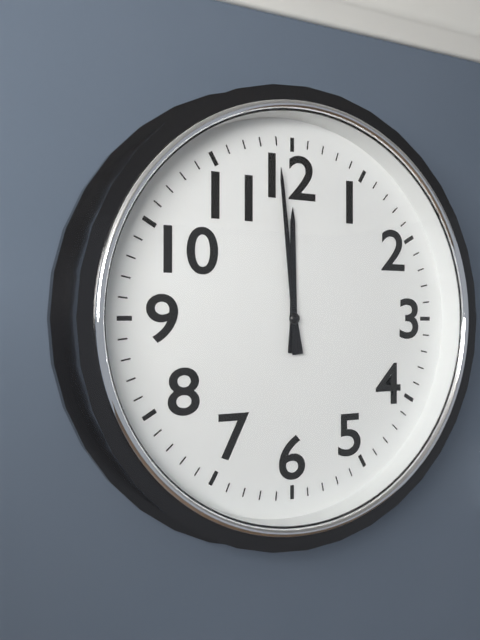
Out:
11.59
